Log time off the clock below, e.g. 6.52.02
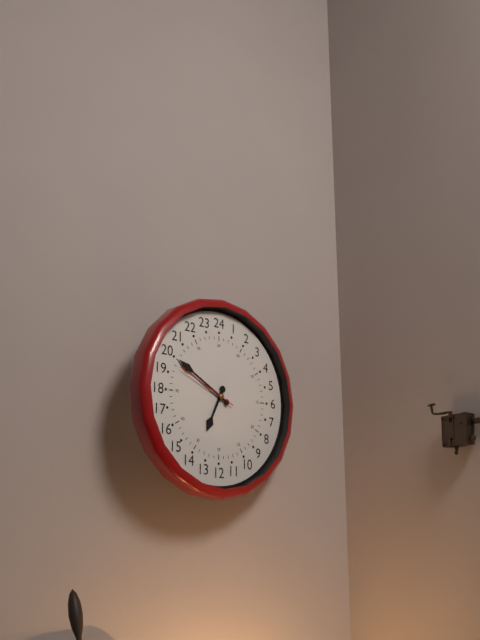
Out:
6.50.49
